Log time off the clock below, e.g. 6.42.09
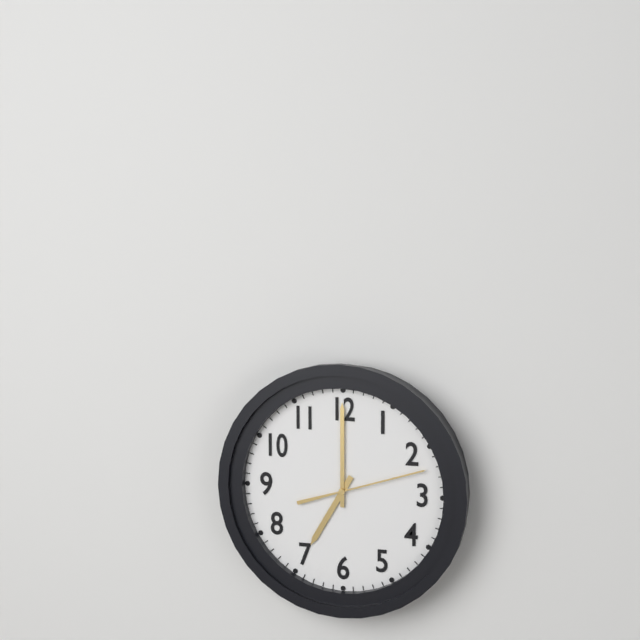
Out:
7.00.12
